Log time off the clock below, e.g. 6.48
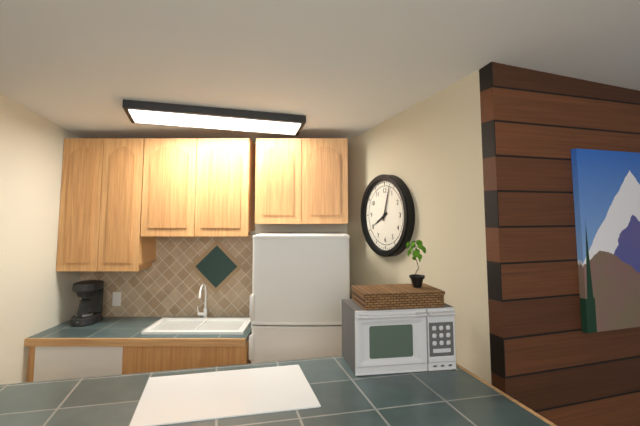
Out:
8.03
